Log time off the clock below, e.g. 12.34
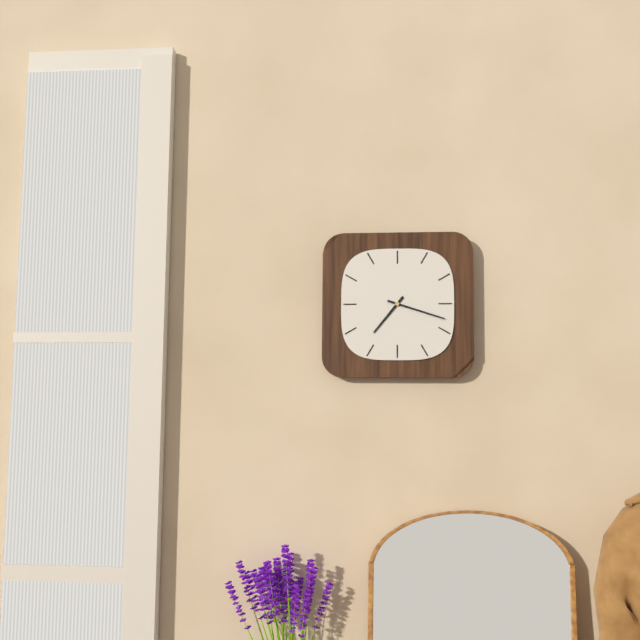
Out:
7.18
